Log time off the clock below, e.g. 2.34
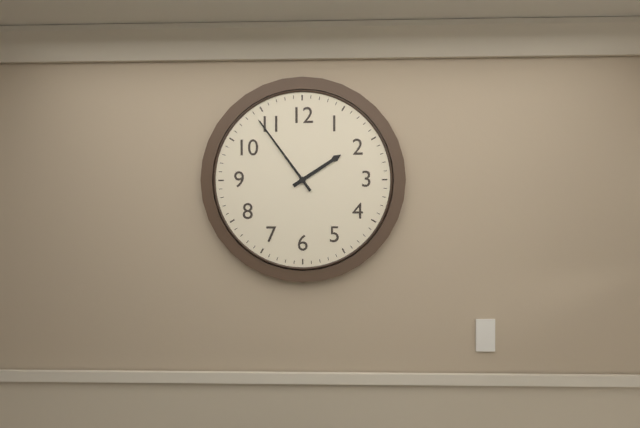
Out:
1.54
